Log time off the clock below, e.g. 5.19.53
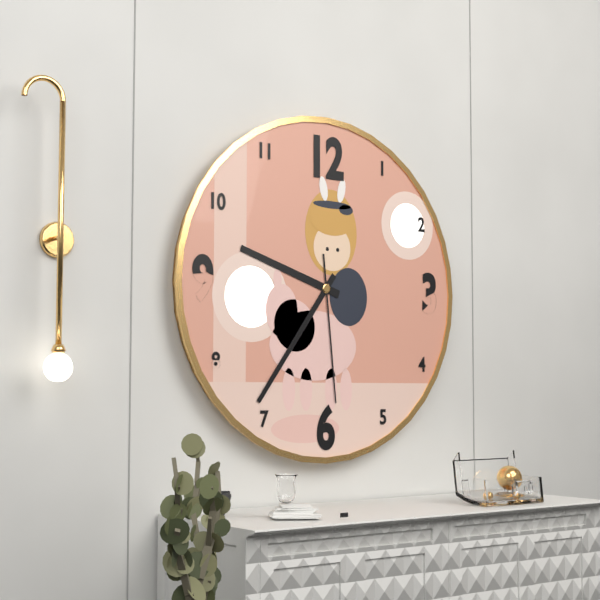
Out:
9.36.29
